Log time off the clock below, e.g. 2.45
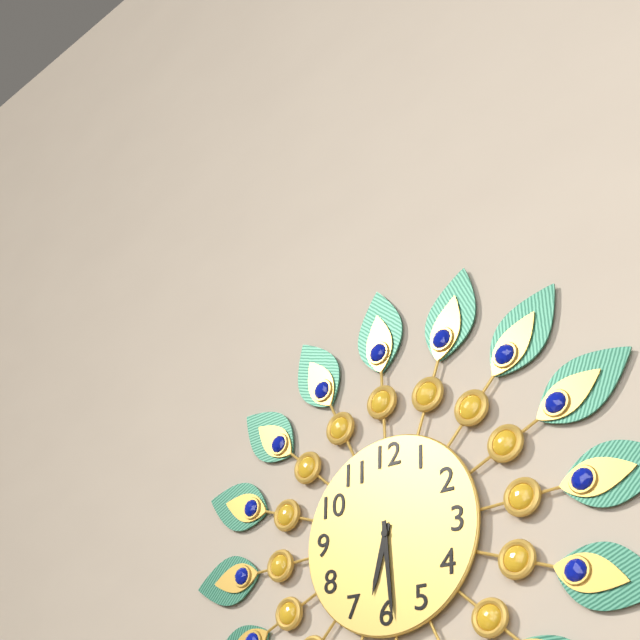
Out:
6.29
